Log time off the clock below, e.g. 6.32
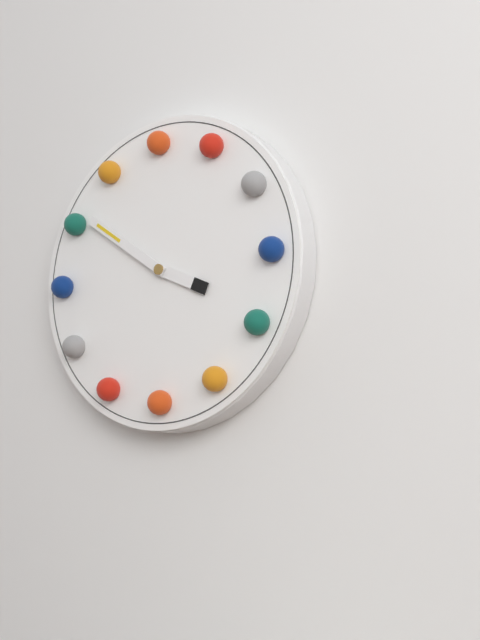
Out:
3.51
